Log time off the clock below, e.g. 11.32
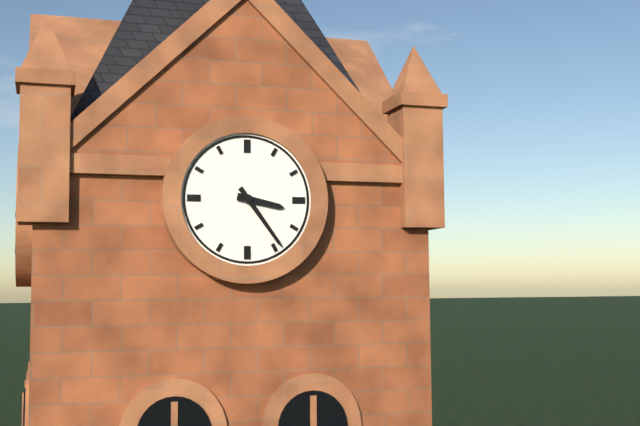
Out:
3.24
